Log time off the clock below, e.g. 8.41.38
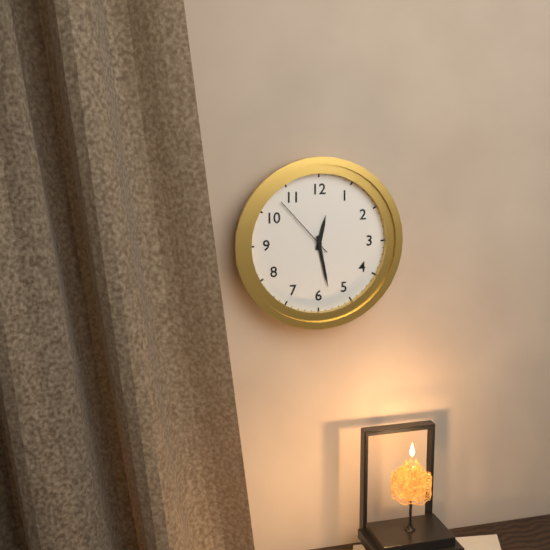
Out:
12.28.53
